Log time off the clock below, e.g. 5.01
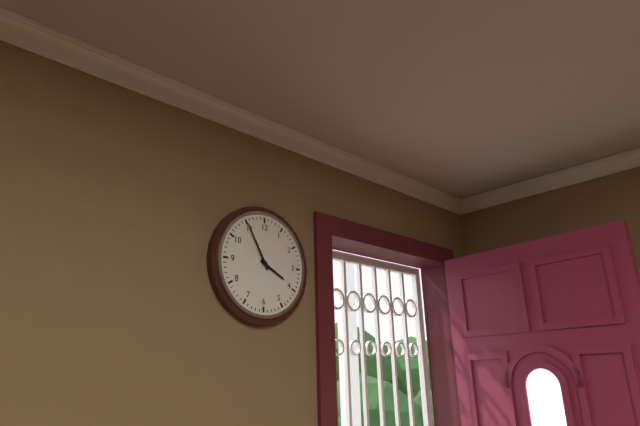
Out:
3.55
